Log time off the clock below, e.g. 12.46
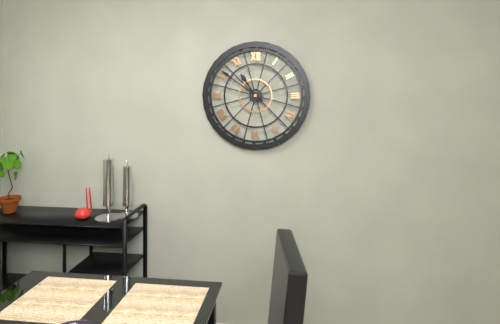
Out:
10.51
